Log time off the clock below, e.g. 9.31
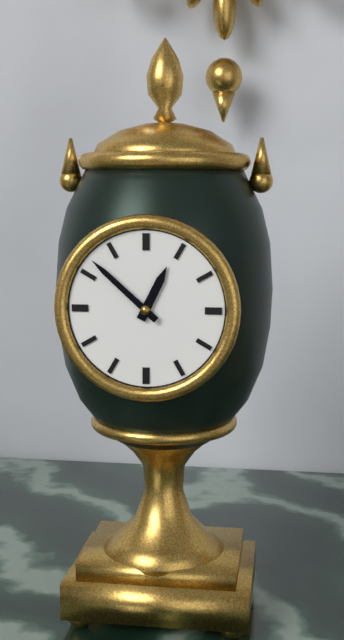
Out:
12.52
